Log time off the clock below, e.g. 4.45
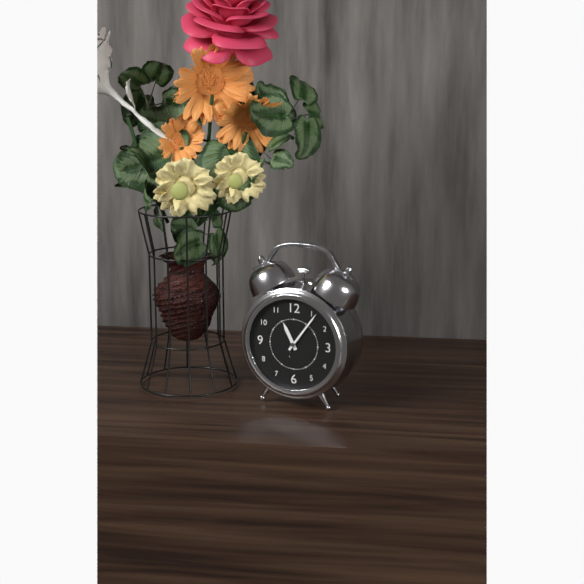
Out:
11.06
